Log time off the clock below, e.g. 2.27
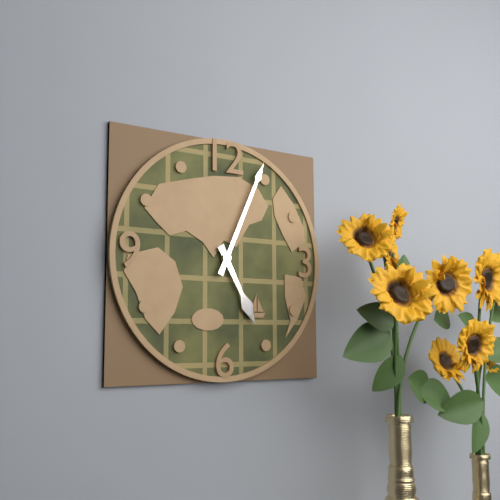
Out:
5.04
